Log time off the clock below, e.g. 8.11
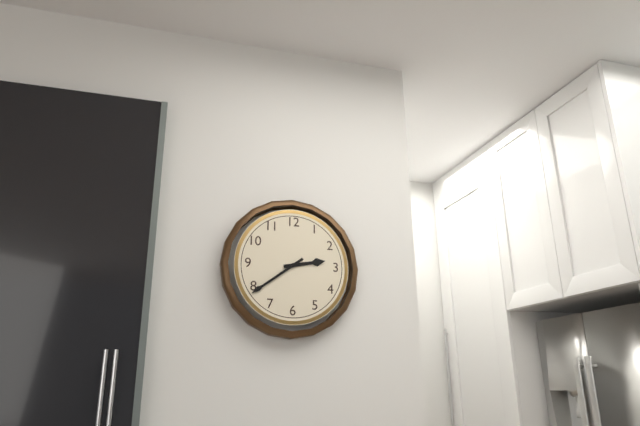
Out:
2.39
